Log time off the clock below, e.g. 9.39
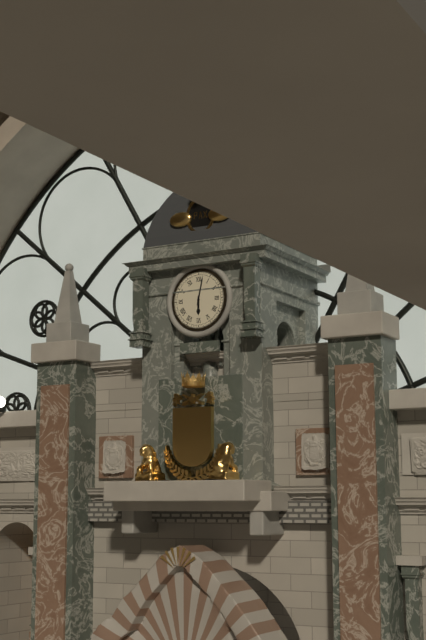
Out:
6.02
